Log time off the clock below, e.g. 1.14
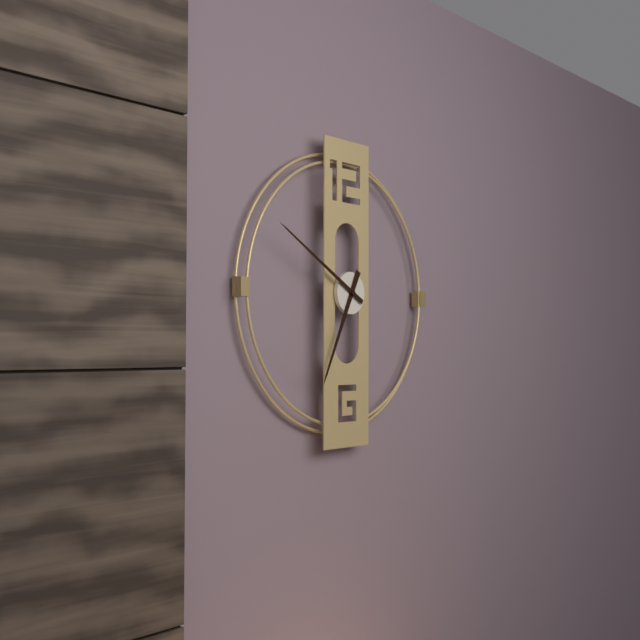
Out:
6.50
